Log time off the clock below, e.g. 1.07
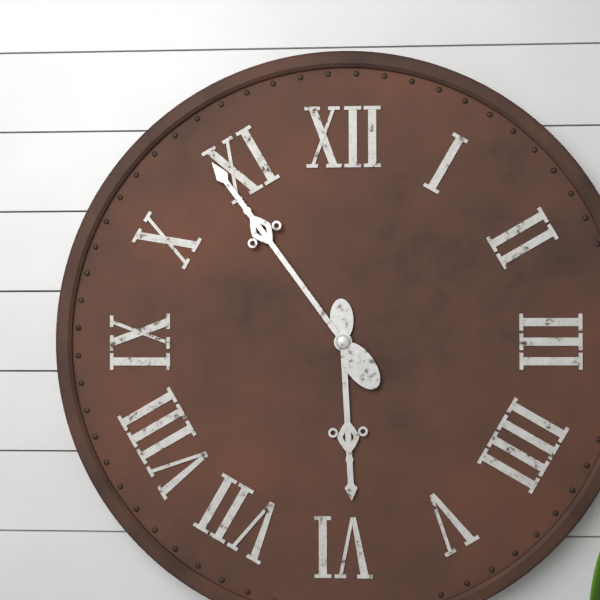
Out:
5.54
